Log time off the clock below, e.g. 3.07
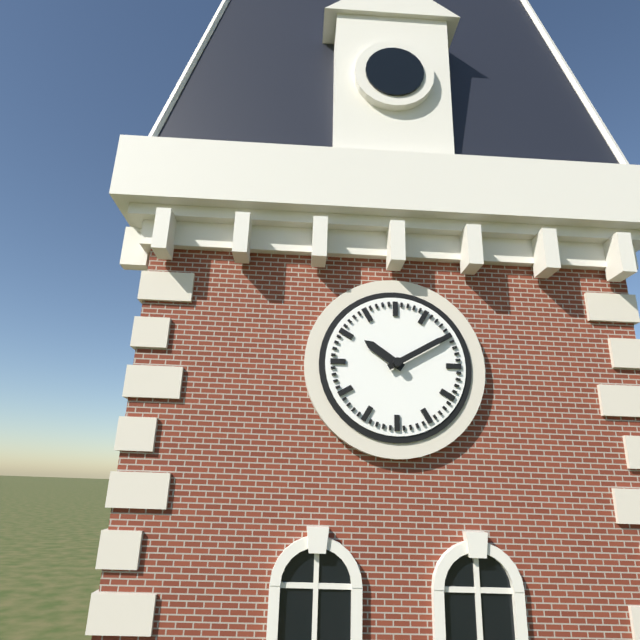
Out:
10.10
